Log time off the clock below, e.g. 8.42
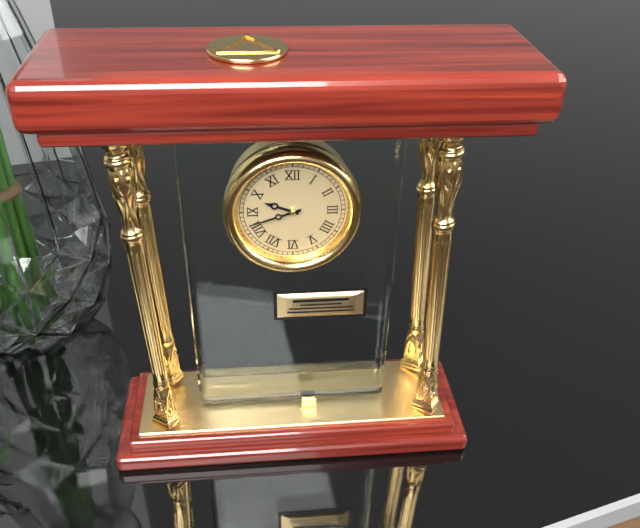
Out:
9.42
